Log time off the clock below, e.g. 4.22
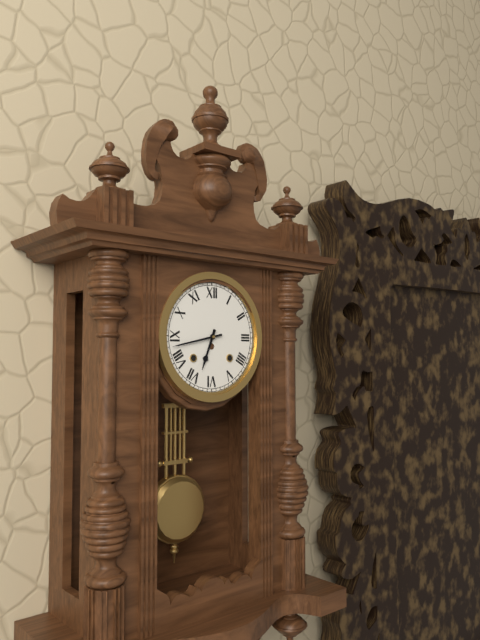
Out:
6.43
